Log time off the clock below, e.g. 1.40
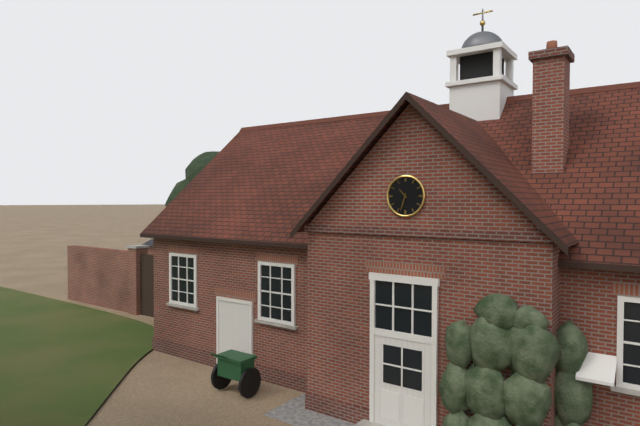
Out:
10.33
